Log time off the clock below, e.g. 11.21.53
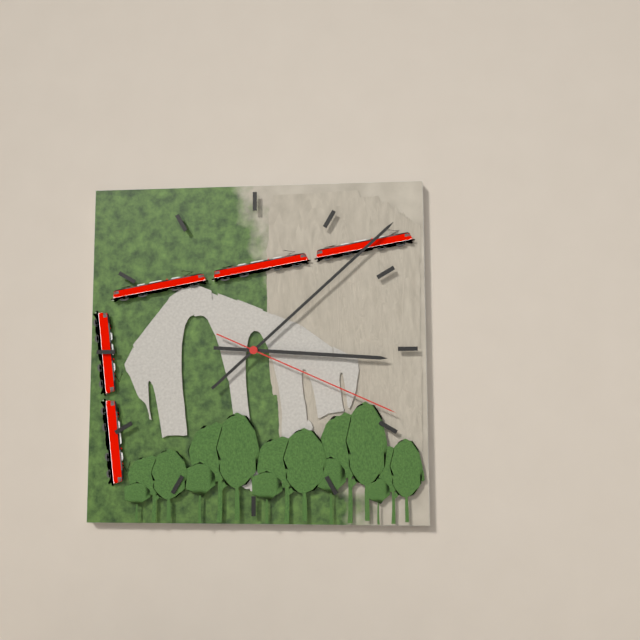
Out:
3.08.19
